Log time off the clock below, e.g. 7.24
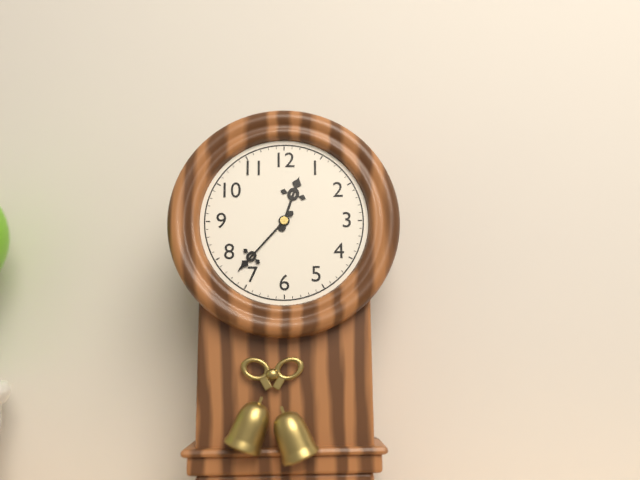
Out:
12.37
